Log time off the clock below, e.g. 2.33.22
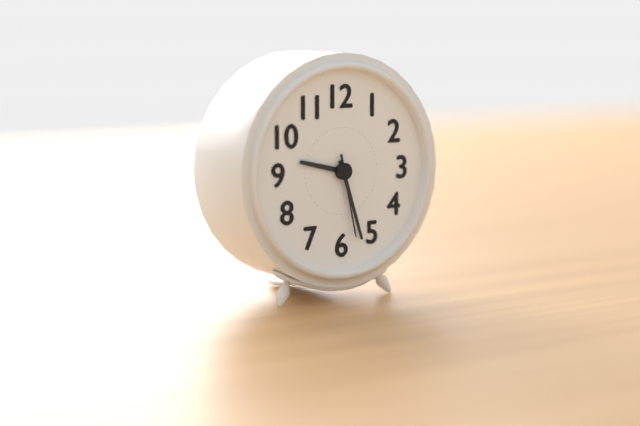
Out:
9.27.28
